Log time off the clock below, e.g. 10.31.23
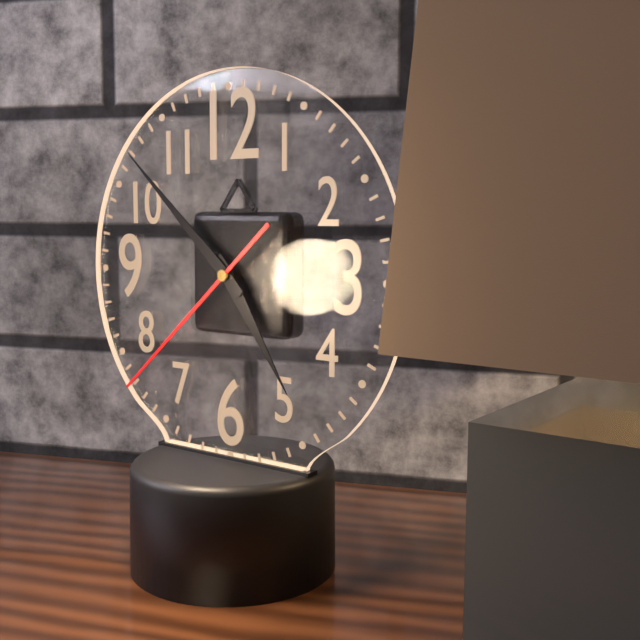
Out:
4.52.38
